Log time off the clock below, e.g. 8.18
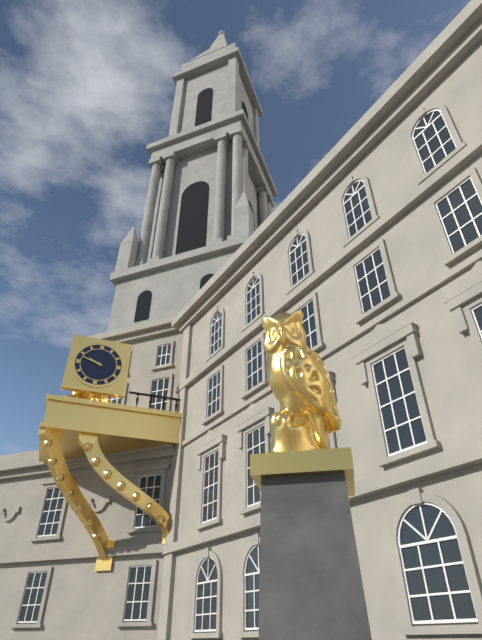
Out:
9.48
